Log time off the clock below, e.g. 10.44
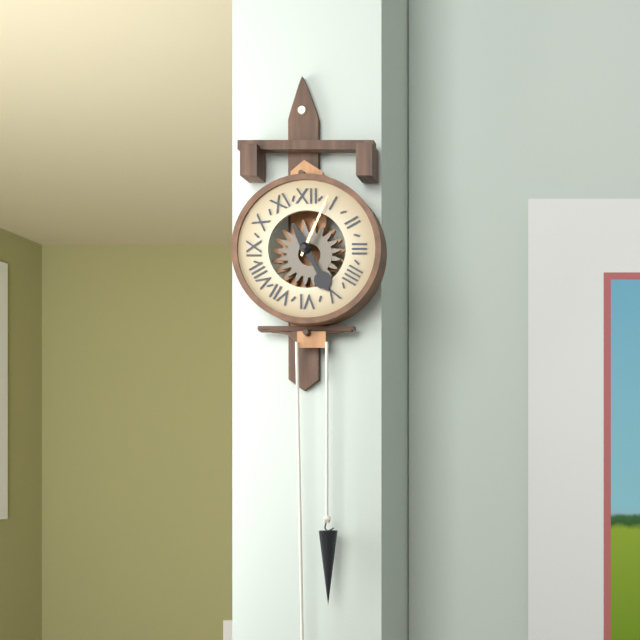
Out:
5.04
